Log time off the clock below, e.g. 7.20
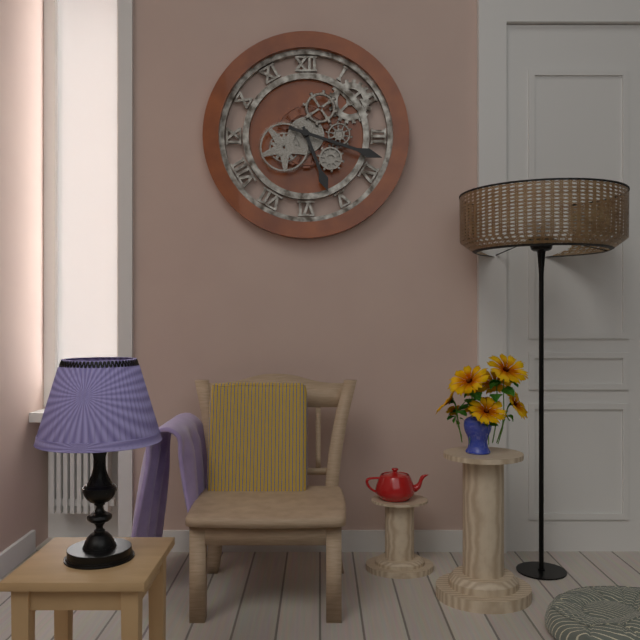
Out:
5.18
